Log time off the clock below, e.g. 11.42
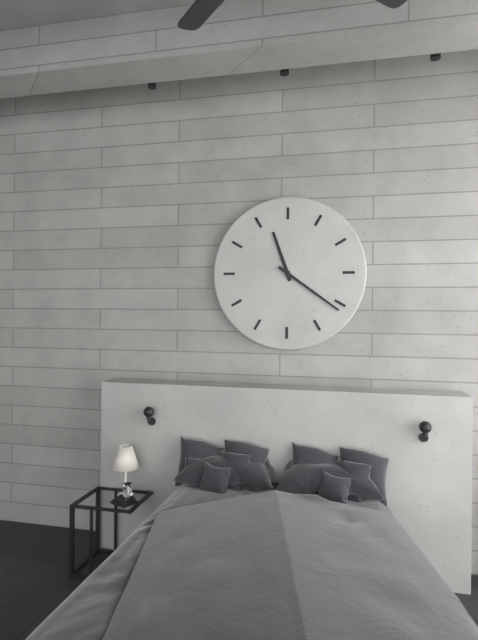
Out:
11.21
